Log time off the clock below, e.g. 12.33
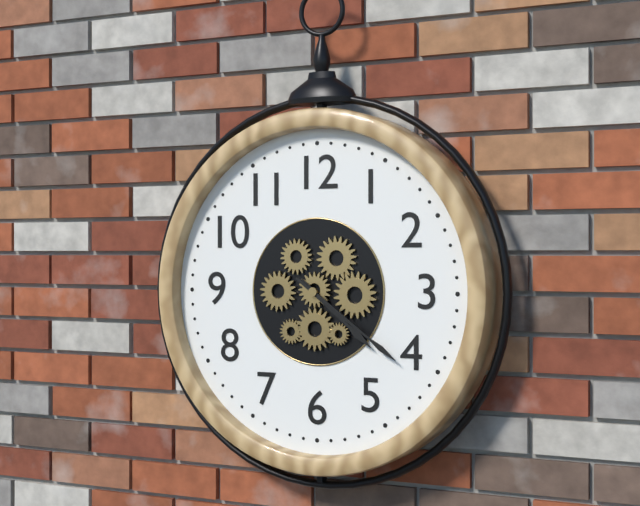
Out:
4.21
